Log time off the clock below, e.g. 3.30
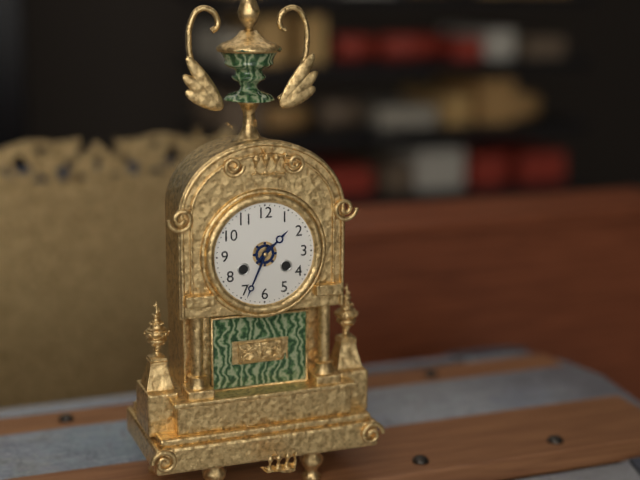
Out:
1.34
